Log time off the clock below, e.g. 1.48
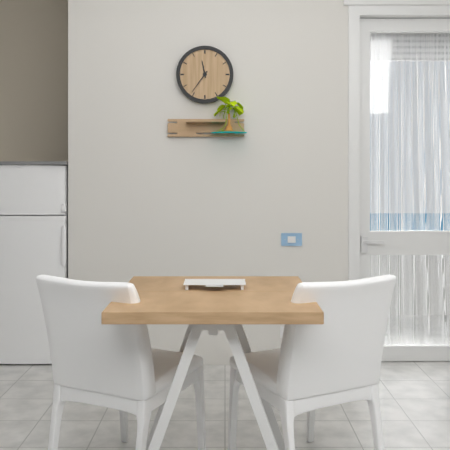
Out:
11.36
